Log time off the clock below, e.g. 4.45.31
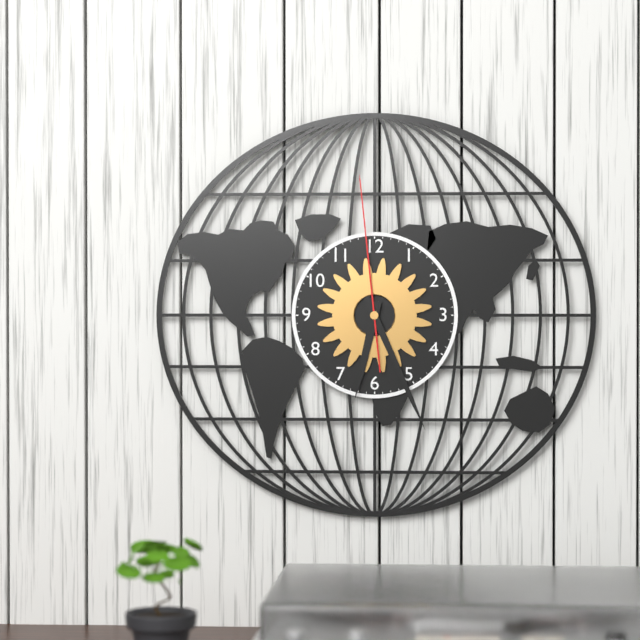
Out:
6.26.59
